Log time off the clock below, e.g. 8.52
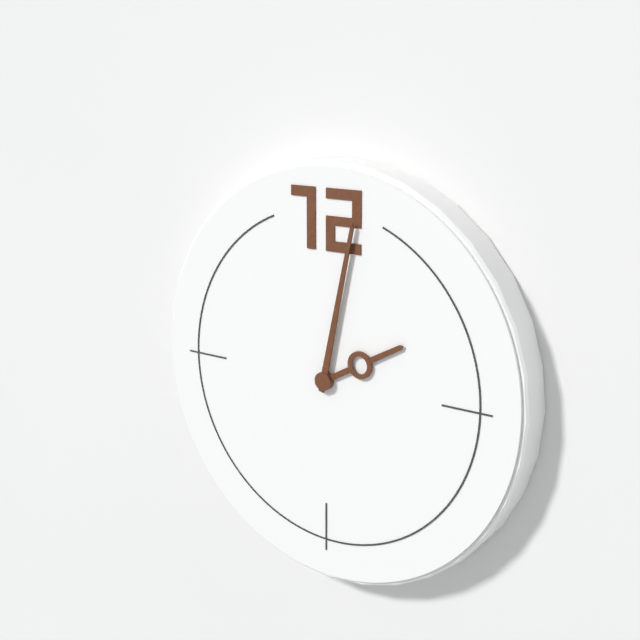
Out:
2.02
